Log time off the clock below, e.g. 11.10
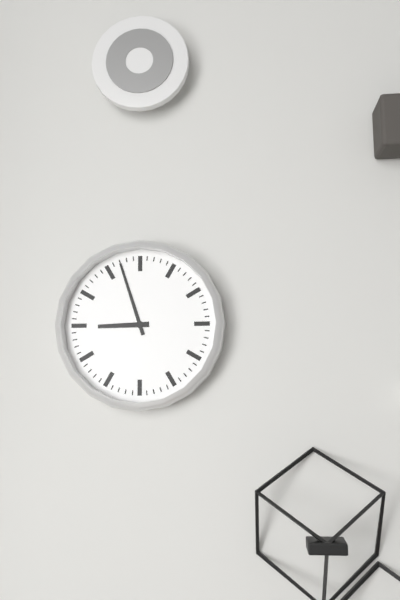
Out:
8.57
